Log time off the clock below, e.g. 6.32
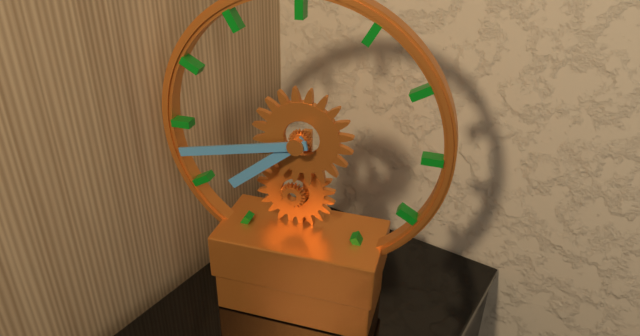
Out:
7.43
